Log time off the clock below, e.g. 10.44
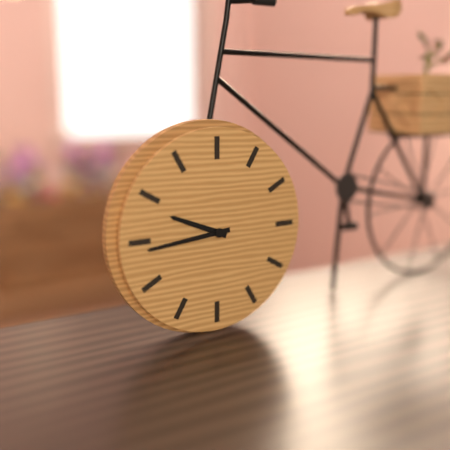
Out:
9.44
